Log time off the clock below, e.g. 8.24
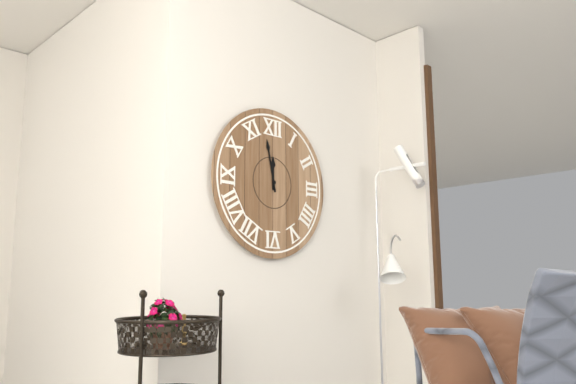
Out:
11.58
